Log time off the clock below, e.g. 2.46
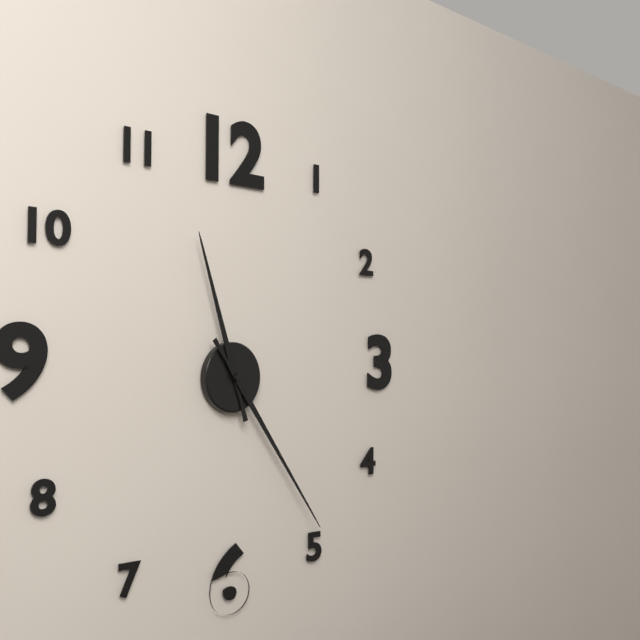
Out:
11.24
